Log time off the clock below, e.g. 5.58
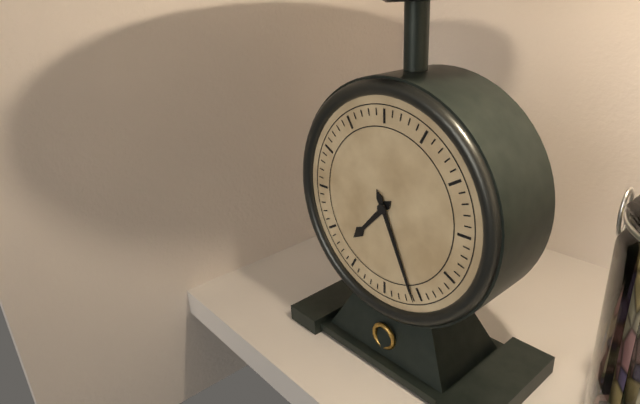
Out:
7.26
